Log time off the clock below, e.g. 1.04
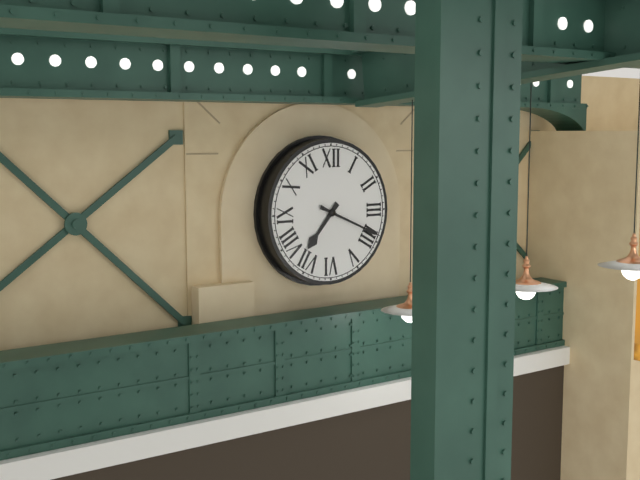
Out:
7.19
